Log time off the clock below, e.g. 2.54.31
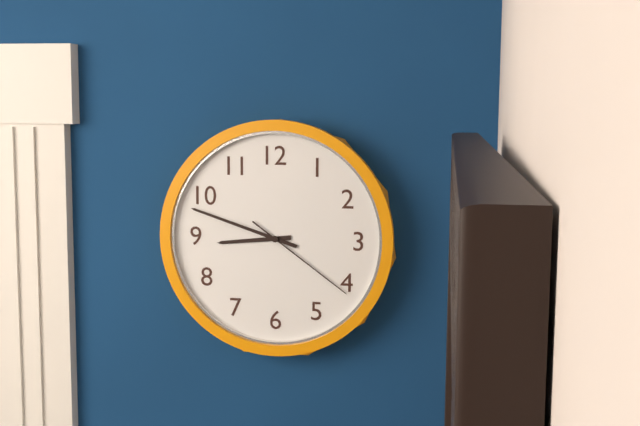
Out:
8.48.21
